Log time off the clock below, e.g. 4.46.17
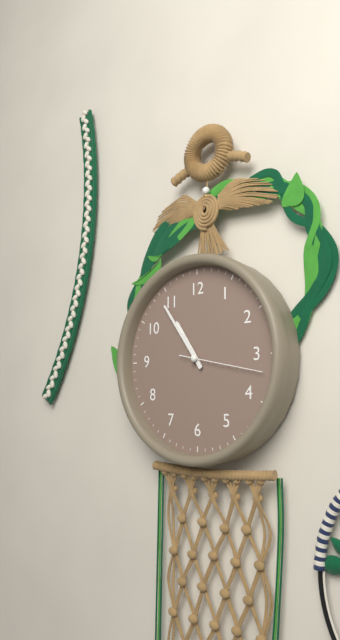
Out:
10.54.17
